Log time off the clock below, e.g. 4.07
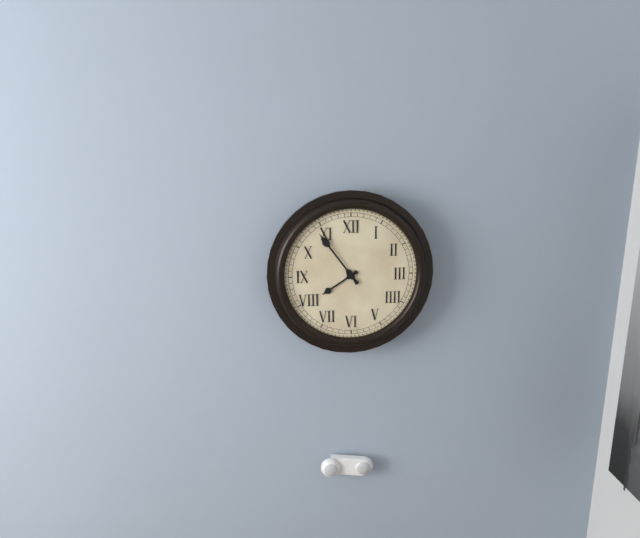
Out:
7.54
